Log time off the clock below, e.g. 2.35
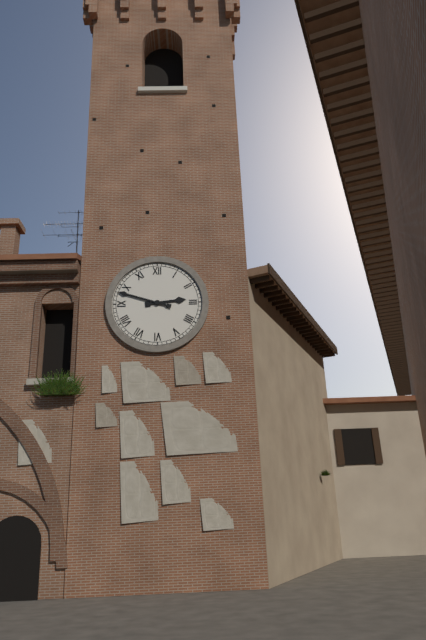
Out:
2.48
